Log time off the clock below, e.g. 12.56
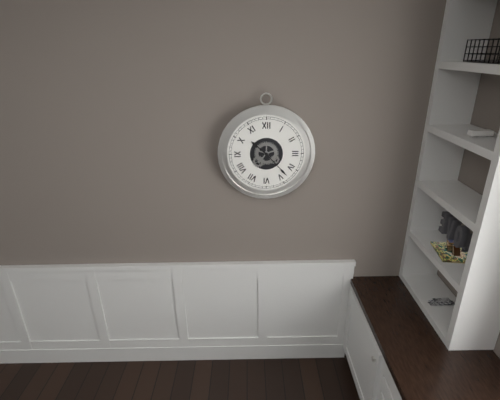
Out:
10.23
